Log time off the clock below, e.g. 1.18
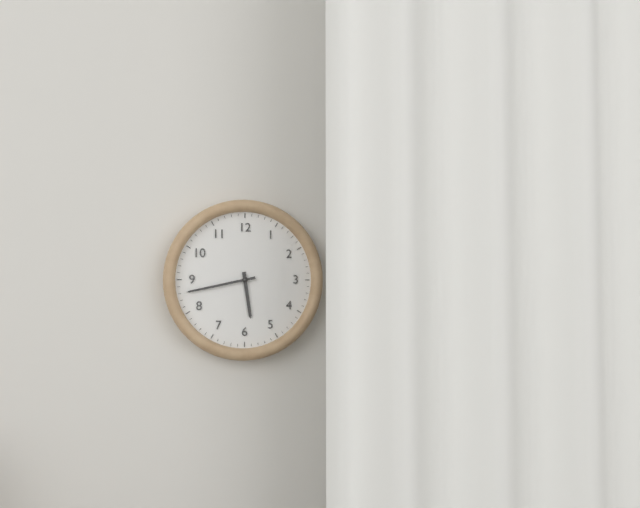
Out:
5.43
